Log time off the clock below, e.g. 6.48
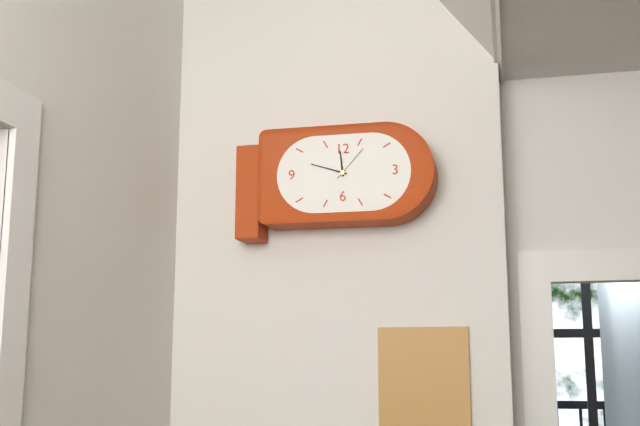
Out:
11.48
